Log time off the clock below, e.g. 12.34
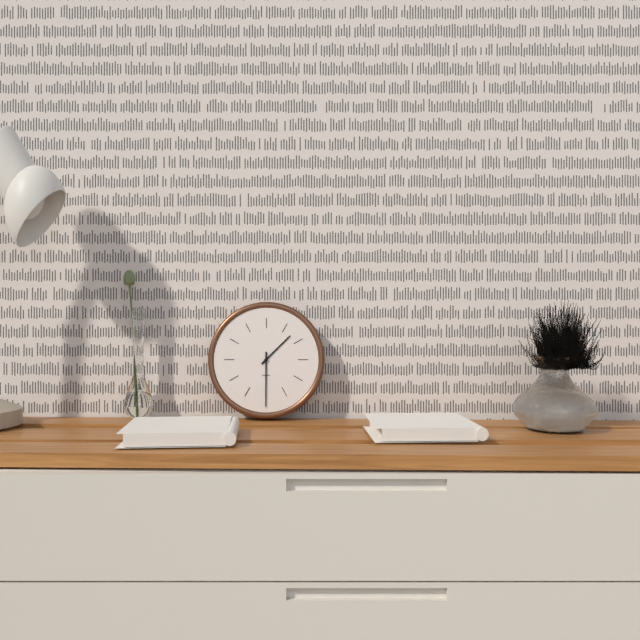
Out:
1.30
